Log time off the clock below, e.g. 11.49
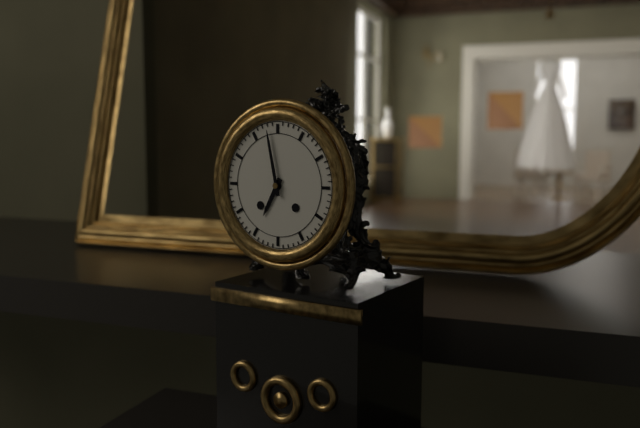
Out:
6.58
